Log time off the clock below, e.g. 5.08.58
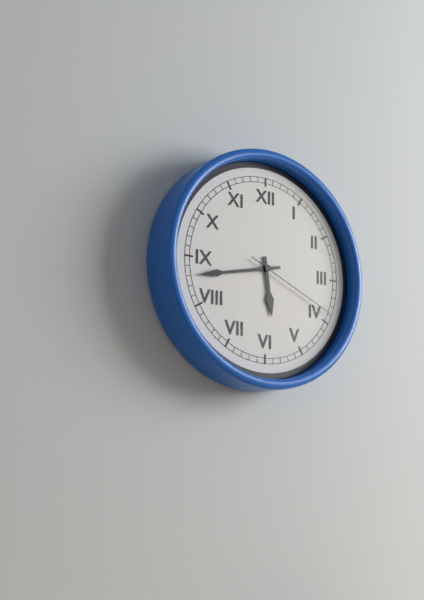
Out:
5.43.19
